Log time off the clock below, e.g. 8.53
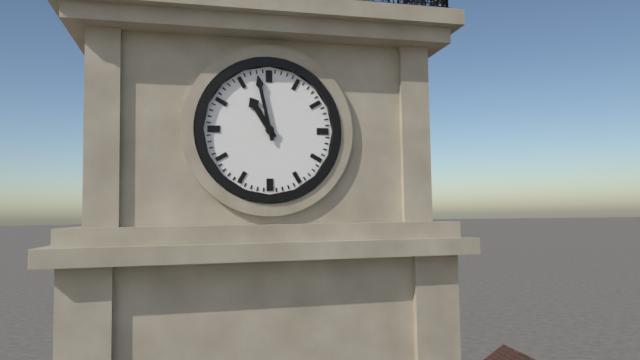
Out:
10.58
